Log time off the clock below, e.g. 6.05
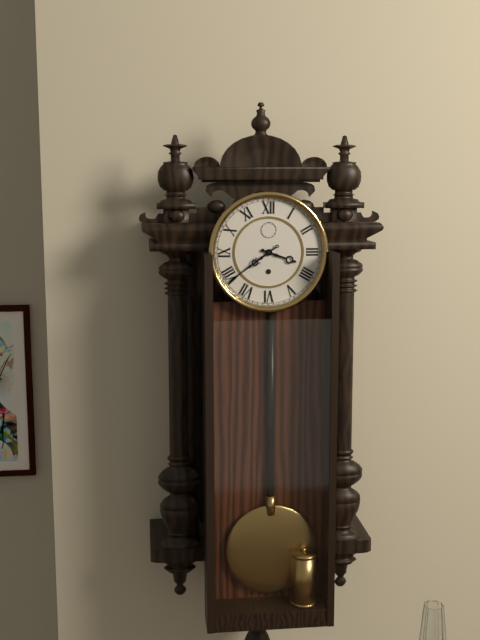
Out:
3.39
